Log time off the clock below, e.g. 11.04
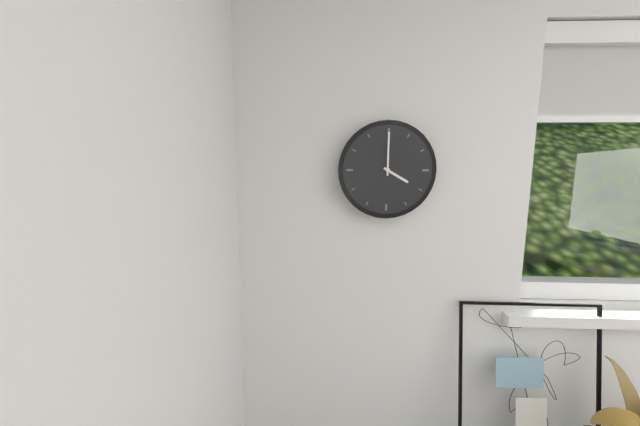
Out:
4.00
